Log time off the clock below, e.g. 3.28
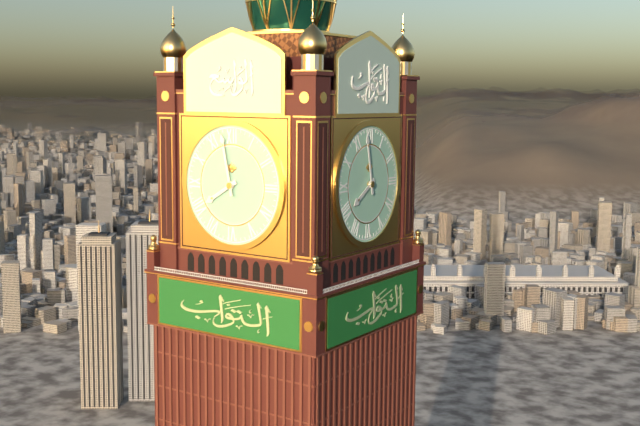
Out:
7.58
